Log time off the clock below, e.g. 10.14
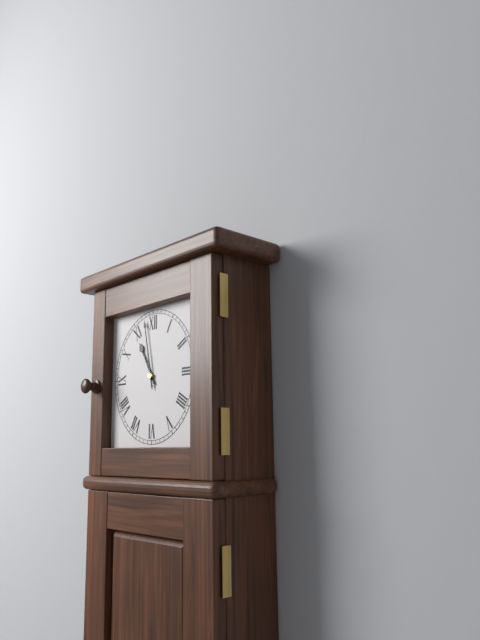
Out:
10.58
